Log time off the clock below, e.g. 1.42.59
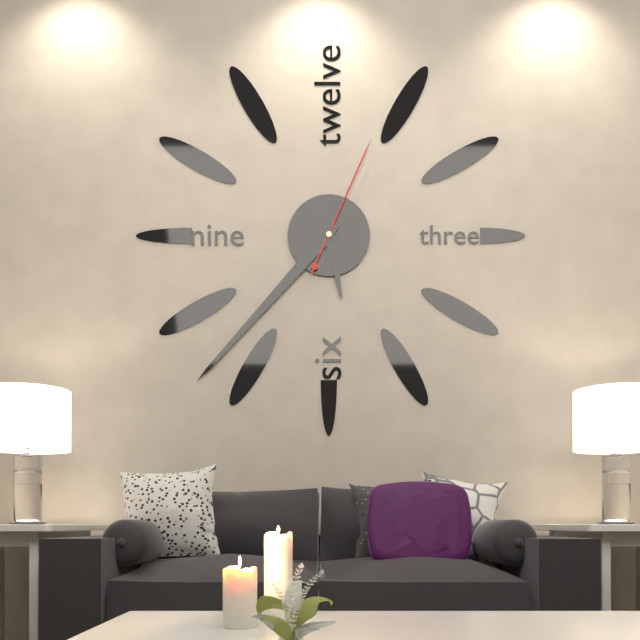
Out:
5.37.04
